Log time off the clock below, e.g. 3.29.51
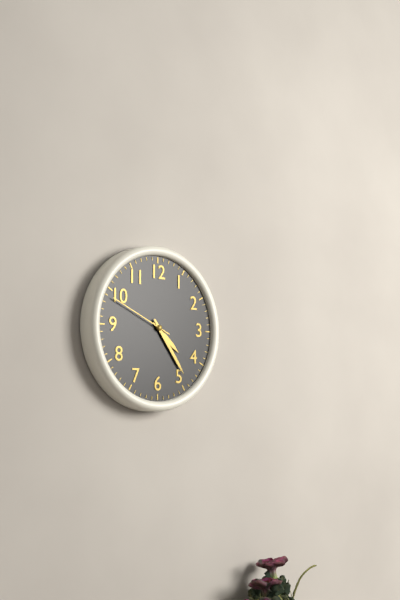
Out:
4.24.49
